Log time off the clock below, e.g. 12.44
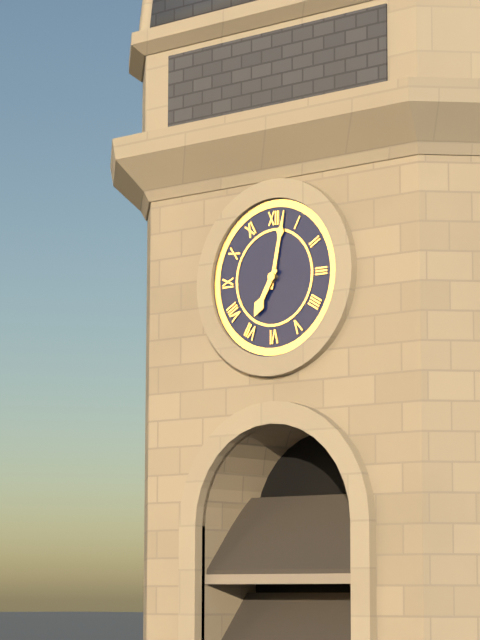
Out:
7.02
